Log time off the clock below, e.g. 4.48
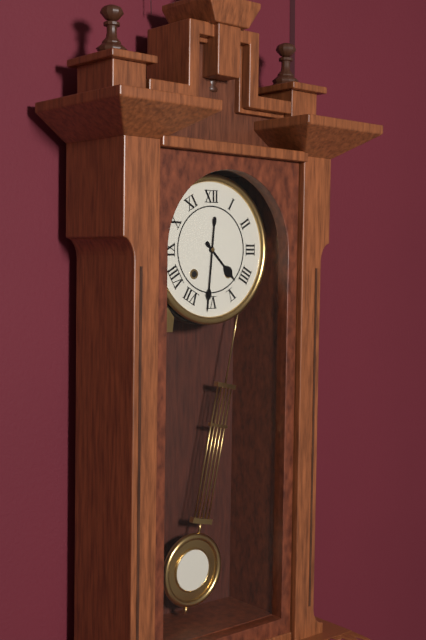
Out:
4.31
